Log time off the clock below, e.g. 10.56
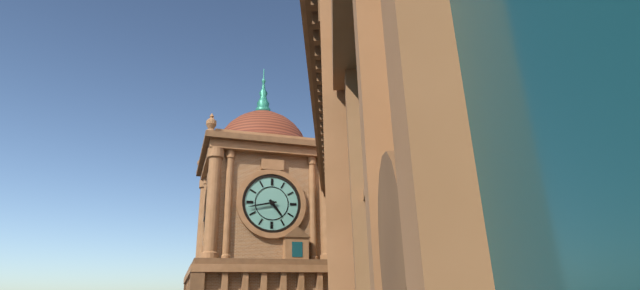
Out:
4.43
